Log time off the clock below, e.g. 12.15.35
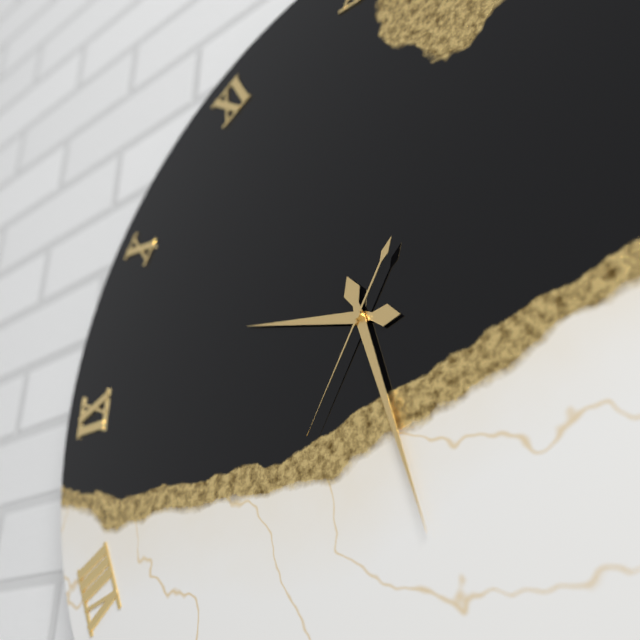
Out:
9.27.35
